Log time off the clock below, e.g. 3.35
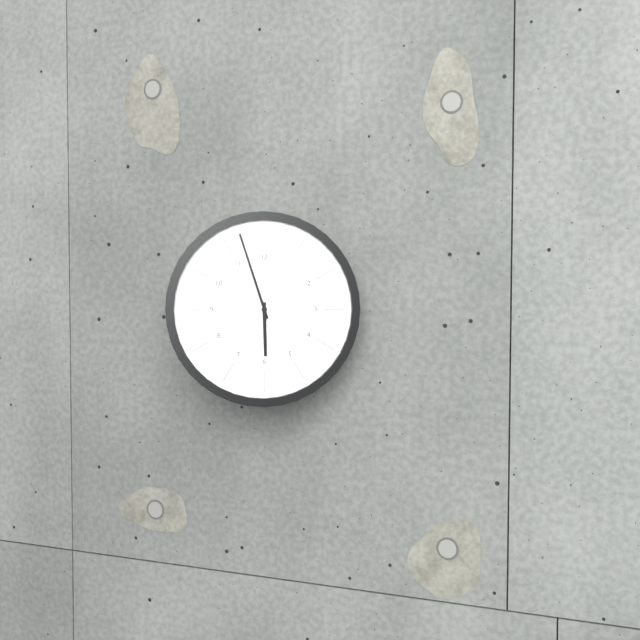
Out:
5.57
